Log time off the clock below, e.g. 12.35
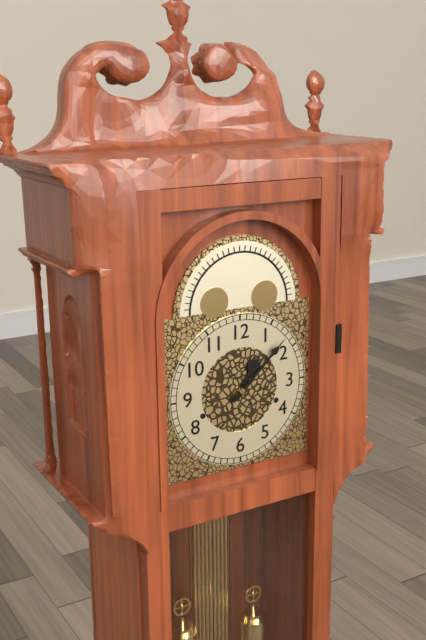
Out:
1.08
